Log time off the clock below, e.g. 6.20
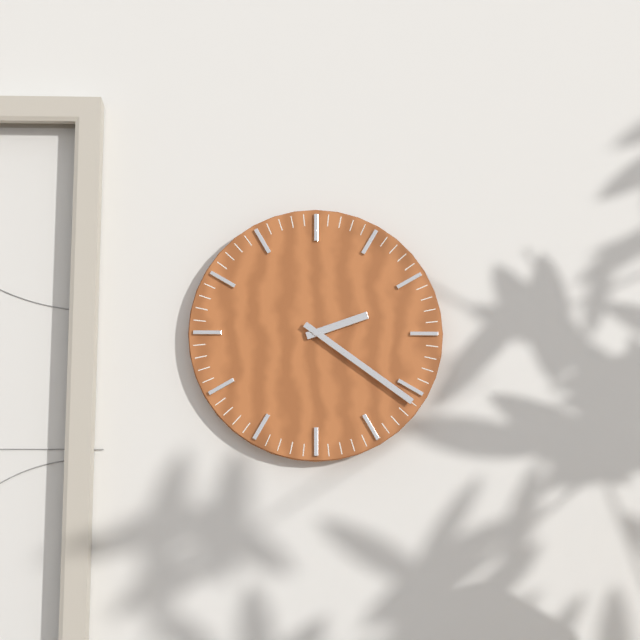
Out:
2.21
